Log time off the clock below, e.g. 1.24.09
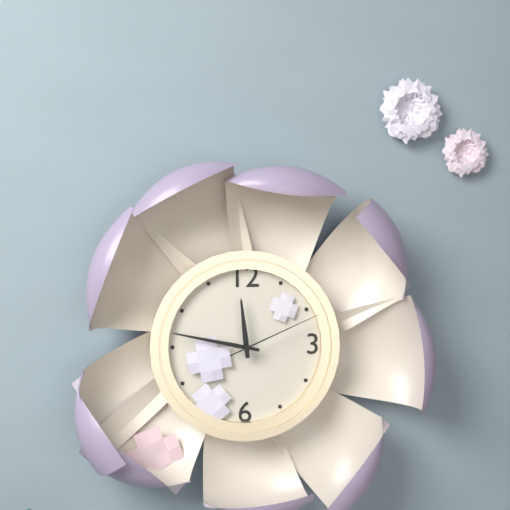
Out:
11.47.11
